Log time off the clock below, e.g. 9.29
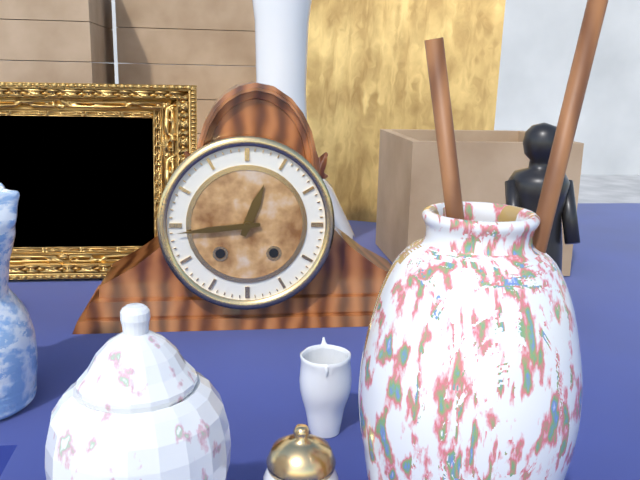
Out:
12.44
